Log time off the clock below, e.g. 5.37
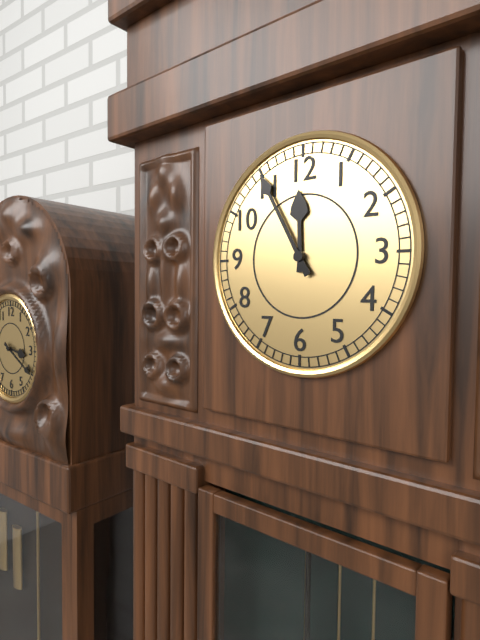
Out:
11.55
